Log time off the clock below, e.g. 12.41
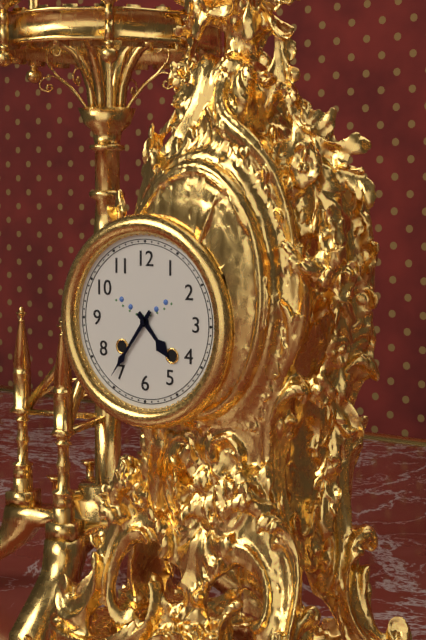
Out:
4.36
